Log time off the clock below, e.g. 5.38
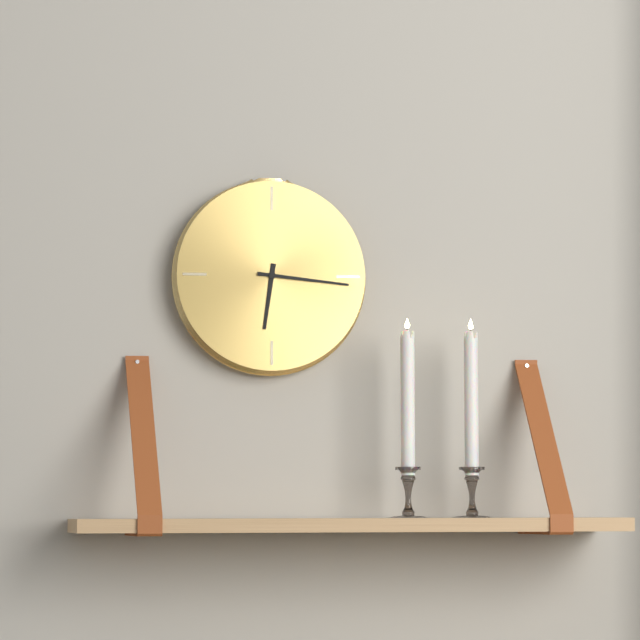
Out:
6.16
